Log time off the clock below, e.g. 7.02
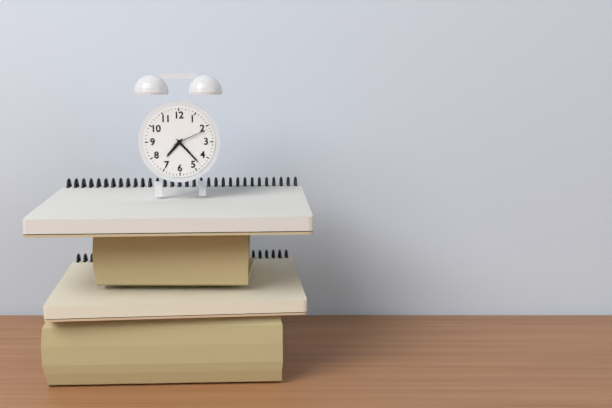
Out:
7.23
